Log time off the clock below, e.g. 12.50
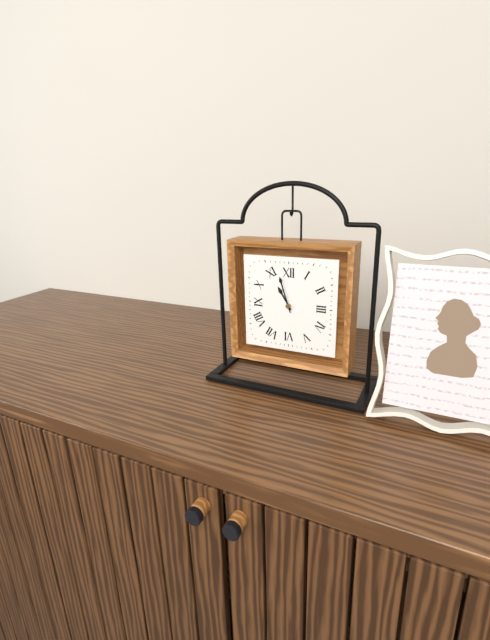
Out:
10.57
